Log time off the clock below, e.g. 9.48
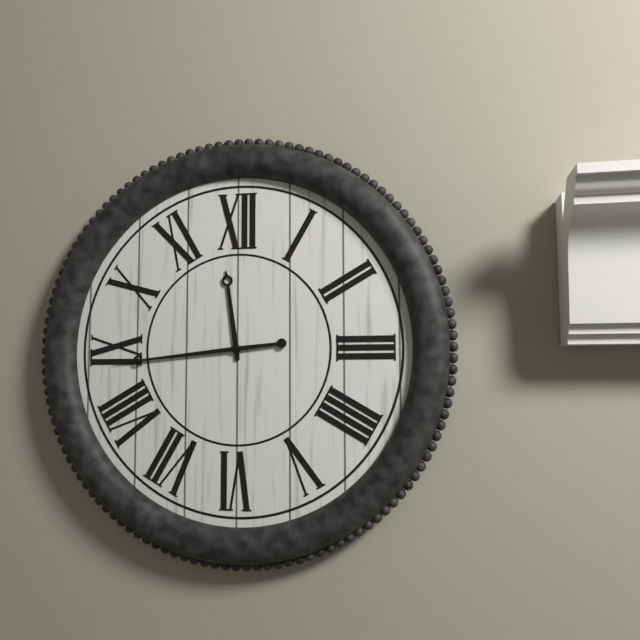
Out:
11.44
